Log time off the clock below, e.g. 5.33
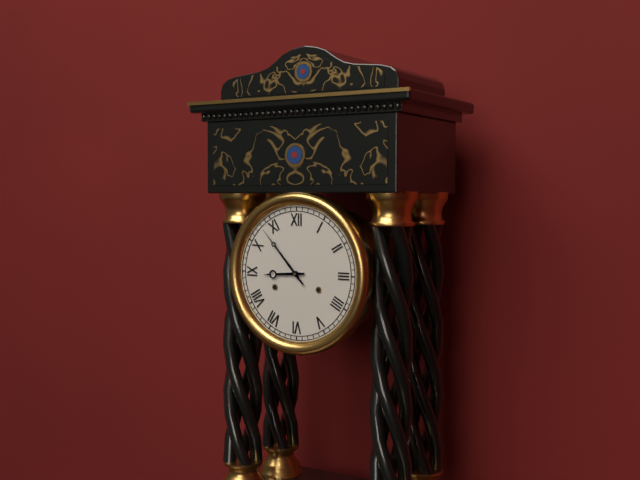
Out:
8.53
